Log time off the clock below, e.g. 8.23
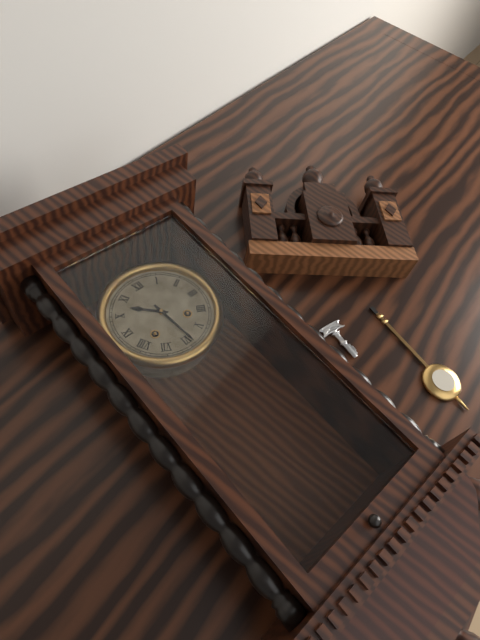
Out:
10.29
